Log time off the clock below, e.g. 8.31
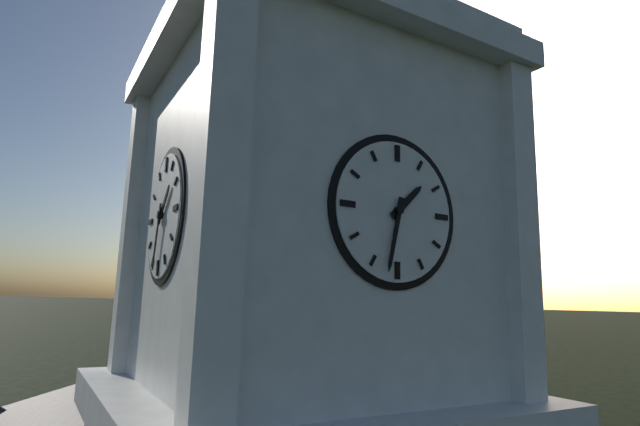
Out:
1.32
